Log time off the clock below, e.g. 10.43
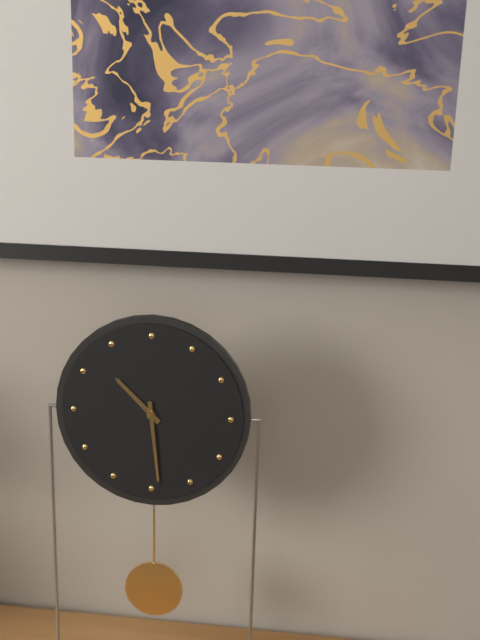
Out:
10.29
